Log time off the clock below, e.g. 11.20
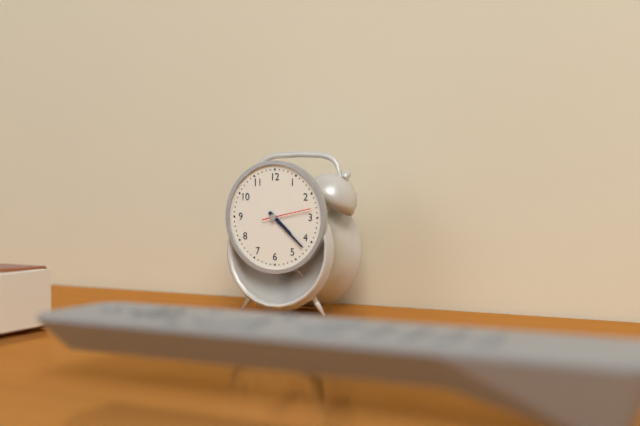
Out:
4.22
